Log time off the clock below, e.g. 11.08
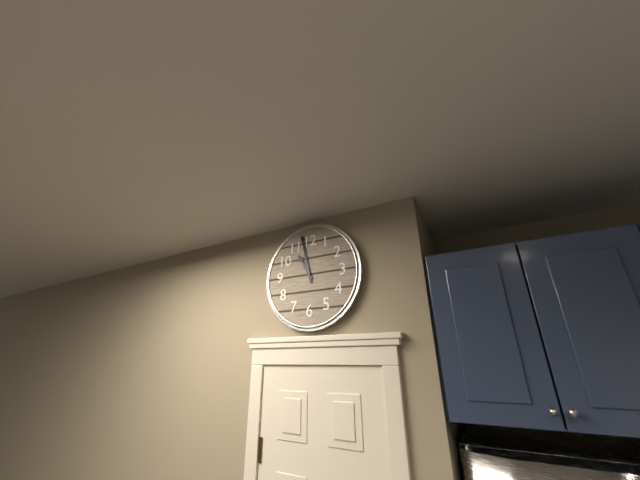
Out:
10.58
